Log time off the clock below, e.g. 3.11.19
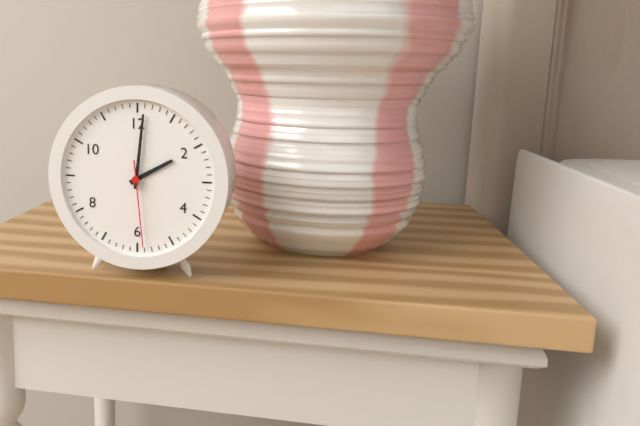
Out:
2.01.29
